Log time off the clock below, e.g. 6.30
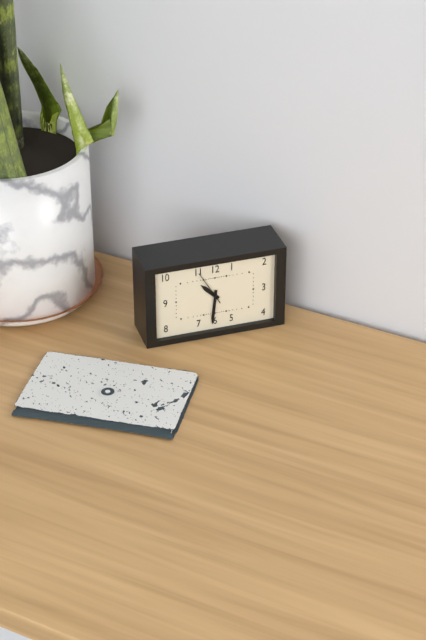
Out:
10.31
